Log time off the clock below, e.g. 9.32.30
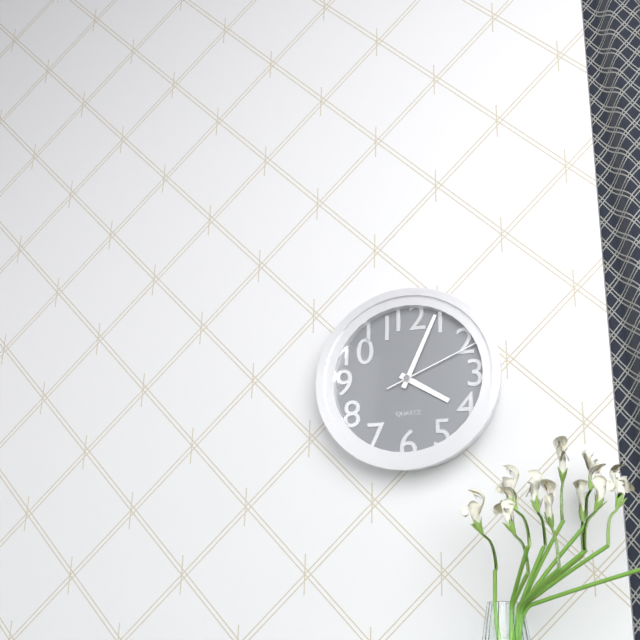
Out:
4.04.11
